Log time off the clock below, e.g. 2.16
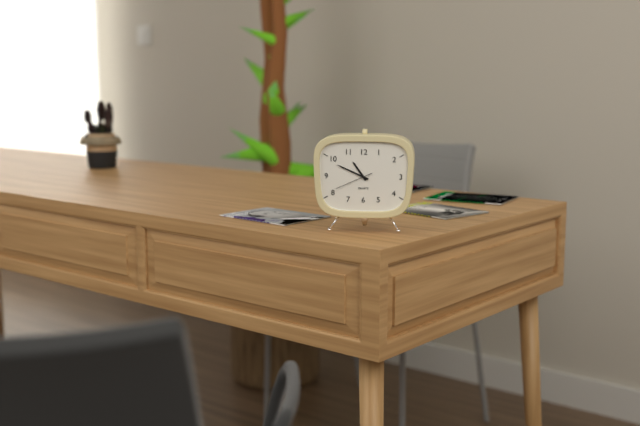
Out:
10.49
